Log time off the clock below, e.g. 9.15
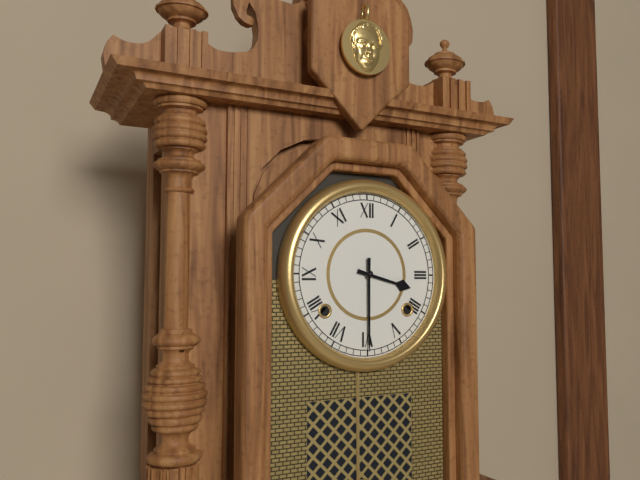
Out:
3.30
